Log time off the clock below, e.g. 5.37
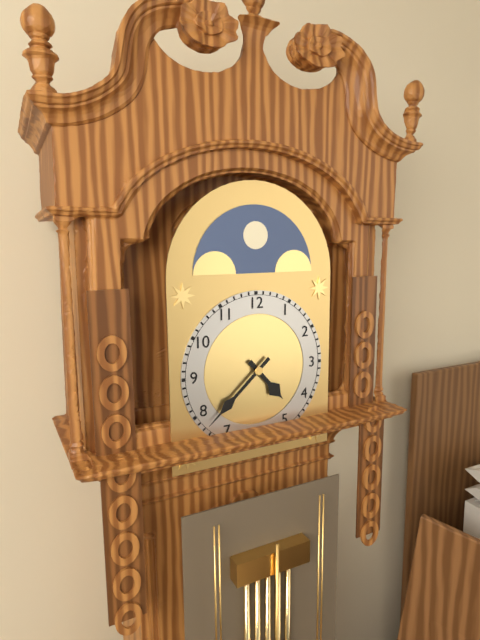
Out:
4.38
